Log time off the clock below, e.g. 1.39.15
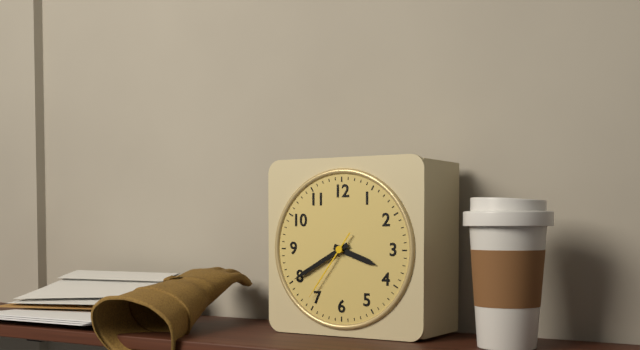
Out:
3.40.36
